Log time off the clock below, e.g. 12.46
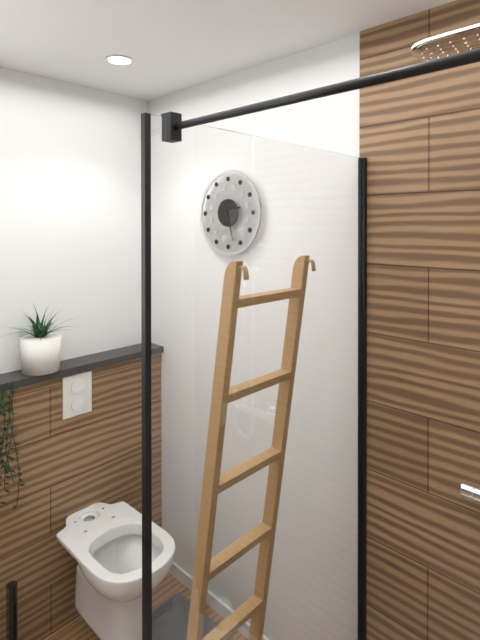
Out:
2.27
